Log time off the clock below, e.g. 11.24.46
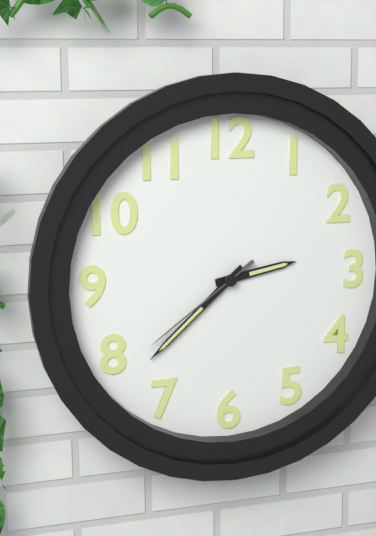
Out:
2.38.39
